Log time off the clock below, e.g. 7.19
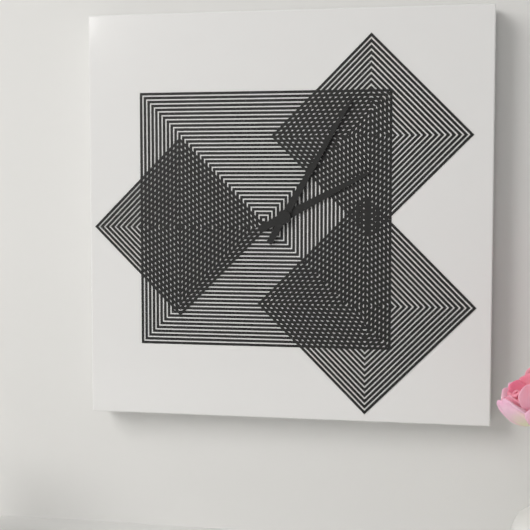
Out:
2.05
